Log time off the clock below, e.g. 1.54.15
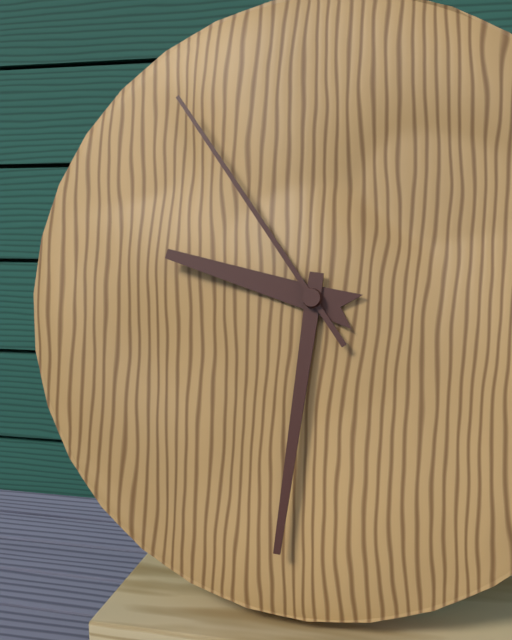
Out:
9.31.54
